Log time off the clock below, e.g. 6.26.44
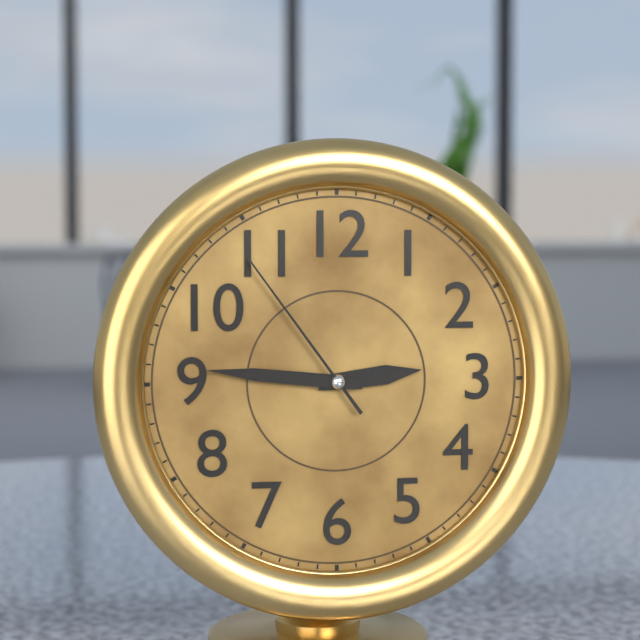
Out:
2.46.54
